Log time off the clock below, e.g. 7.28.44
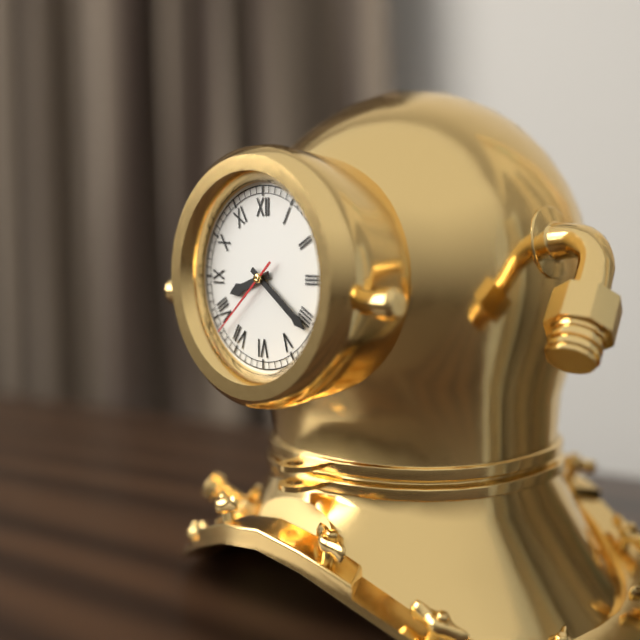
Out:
8.21.38
